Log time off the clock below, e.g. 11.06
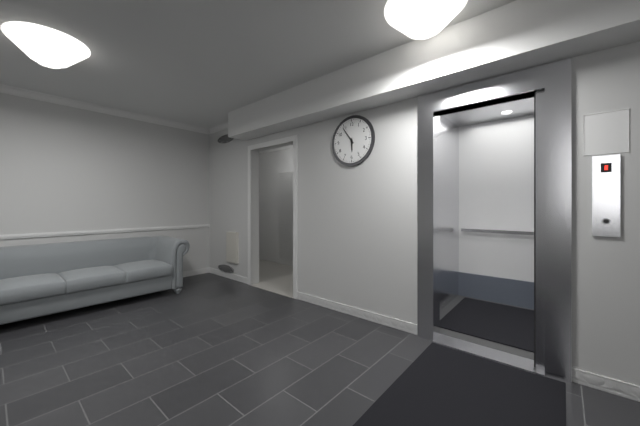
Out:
5.54
